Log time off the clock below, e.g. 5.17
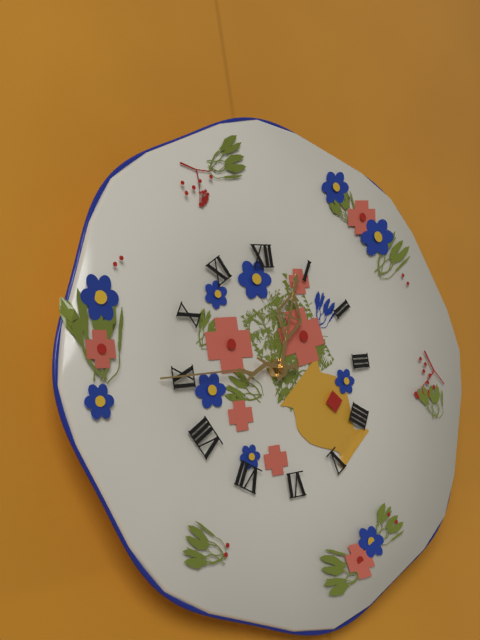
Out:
12.45
